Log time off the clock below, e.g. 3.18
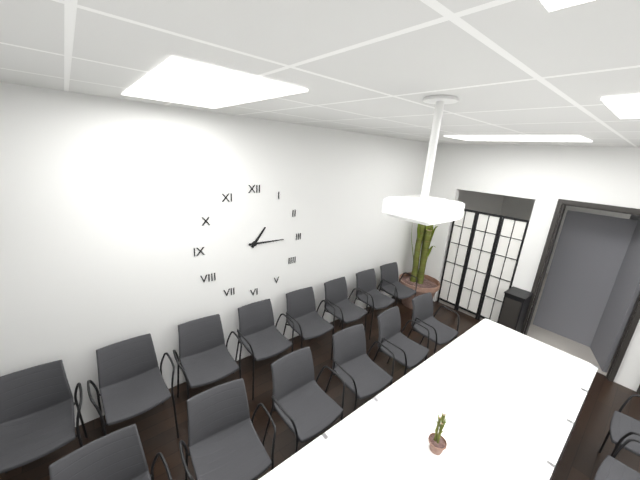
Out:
1.15
